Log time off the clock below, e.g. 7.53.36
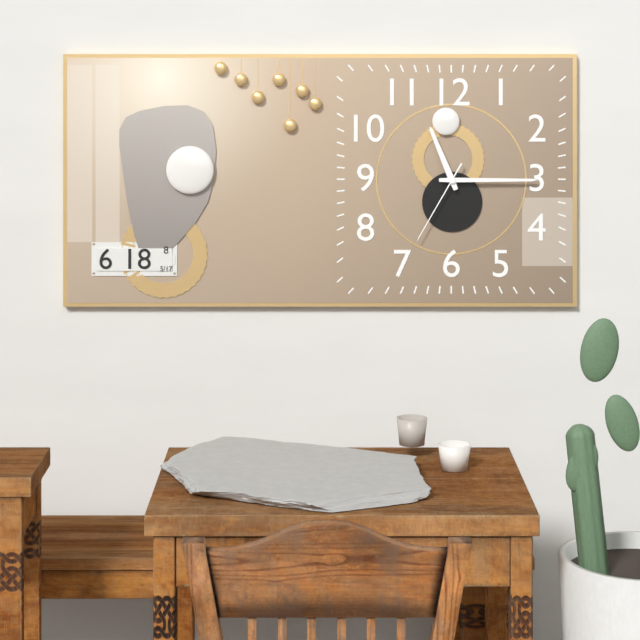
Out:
11.15.35
